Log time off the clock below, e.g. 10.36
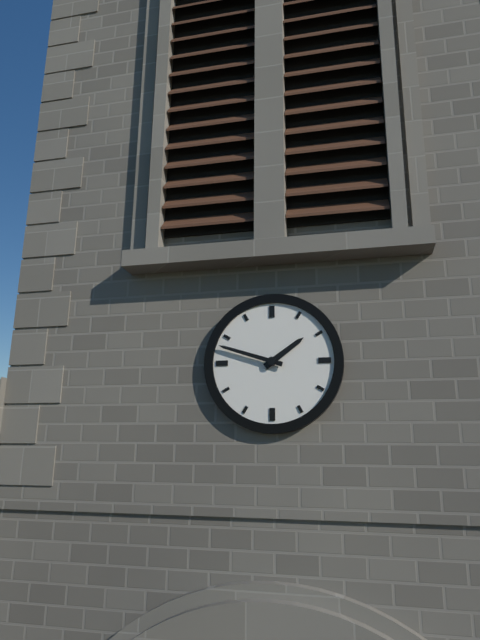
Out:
1.48
